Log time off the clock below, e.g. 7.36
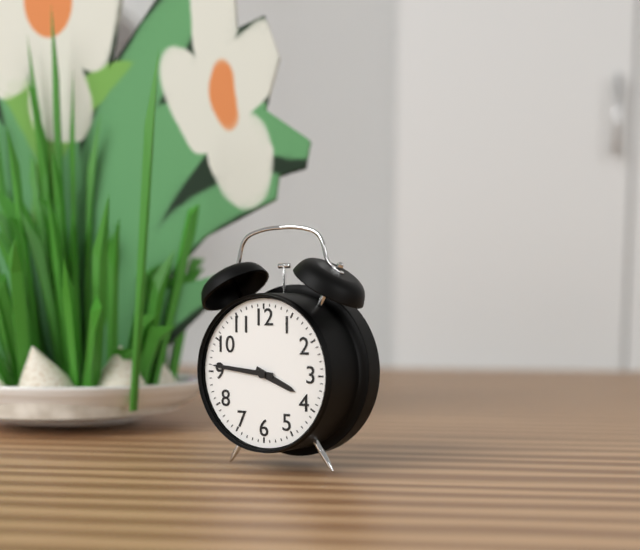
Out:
3.46
